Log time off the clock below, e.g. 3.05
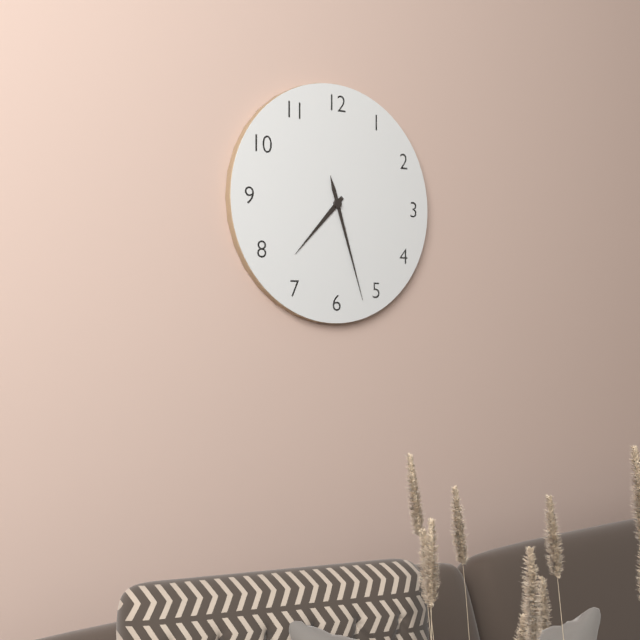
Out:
7.27
